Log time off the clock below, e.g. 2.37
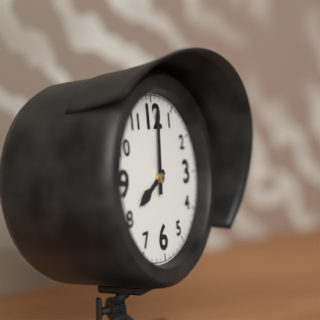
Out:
8.01
